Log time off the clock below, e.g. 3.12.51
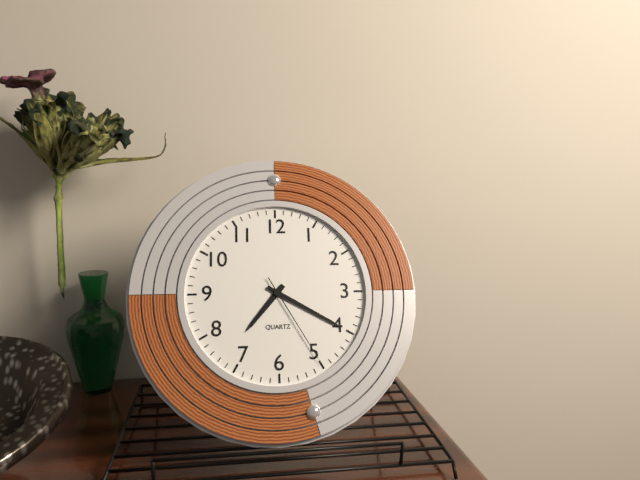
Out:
7.20.25
